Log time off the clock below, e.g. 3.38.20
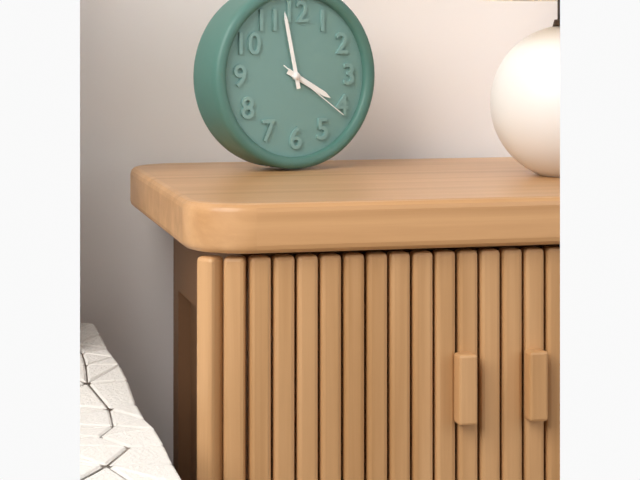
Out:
3.58.21
